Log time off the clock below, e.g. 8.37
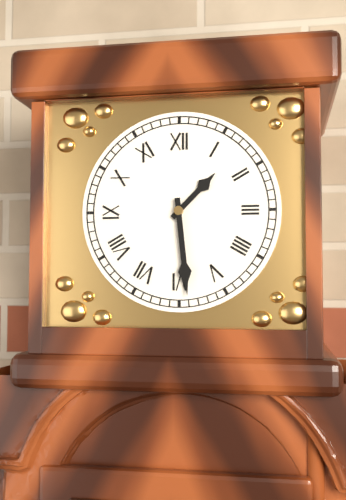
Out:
1.29
